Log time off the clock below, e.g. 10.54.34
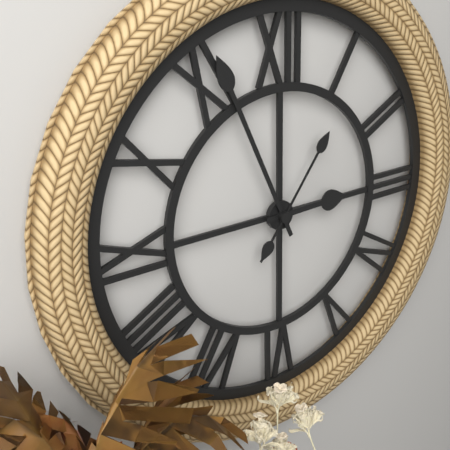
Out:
2.56.06
